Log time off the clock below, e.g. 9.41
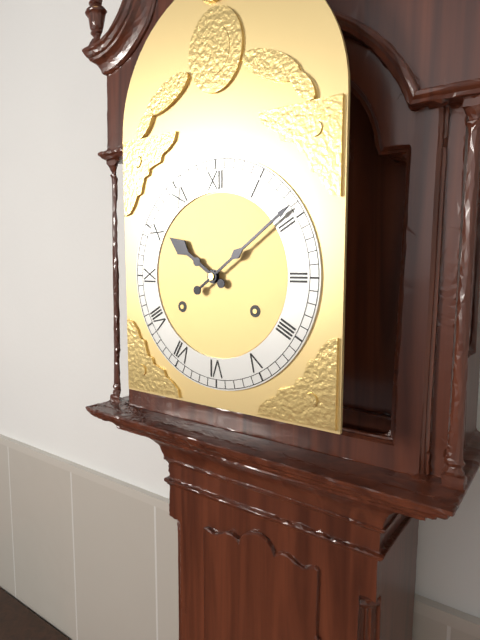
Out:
10.09
